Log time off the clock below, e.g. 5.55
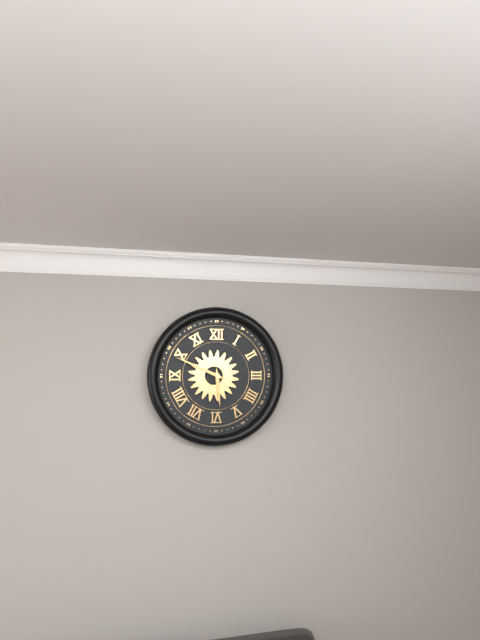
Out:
5.49
